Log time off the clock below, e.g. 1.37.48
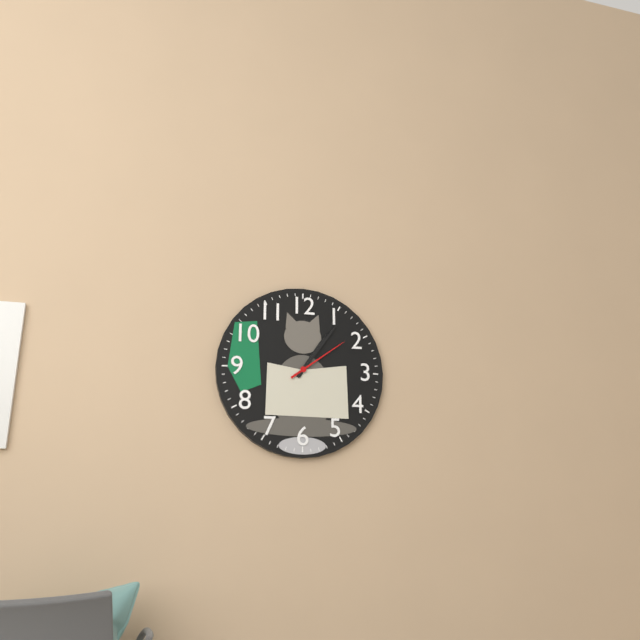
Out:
1.06.09
